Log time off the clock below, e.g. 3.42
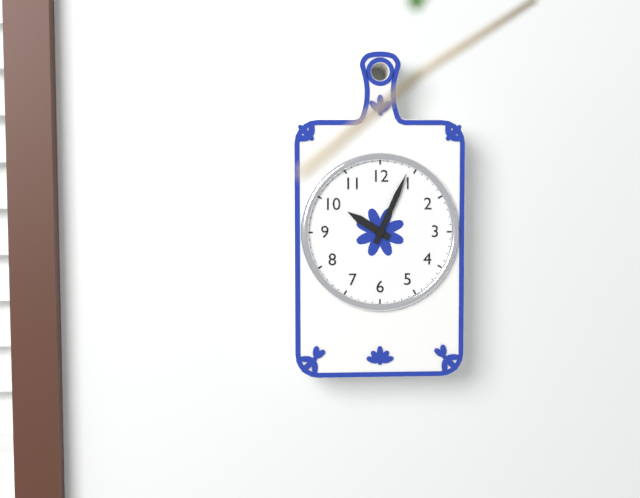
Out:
10.04
